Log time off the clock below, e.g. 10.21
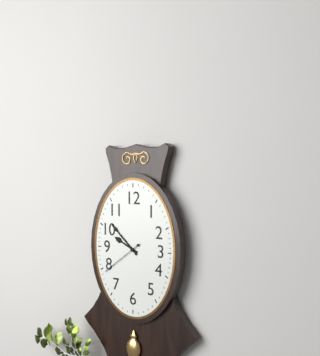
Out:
9.52
